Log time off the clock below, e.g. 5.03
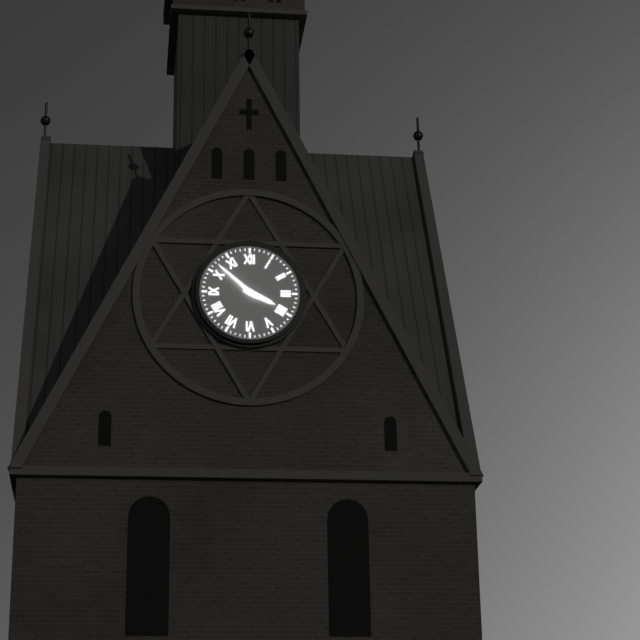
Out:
3.52
